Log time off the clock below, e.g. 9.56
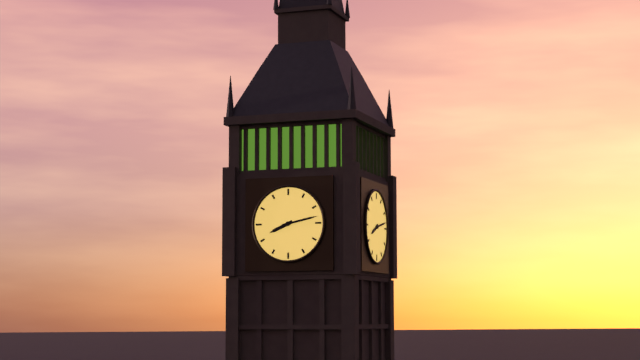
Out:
8.13
